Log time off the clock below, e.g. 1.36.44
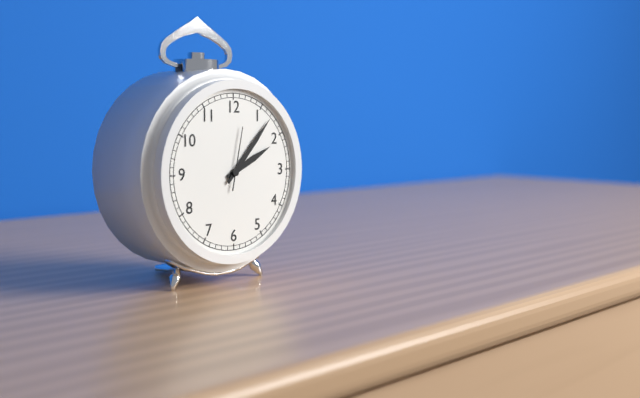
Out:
2.07.02
